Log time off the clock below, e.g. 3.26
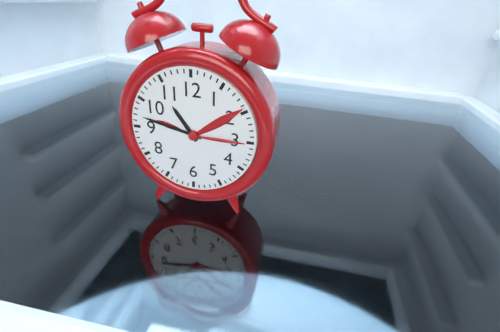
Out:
10.47
